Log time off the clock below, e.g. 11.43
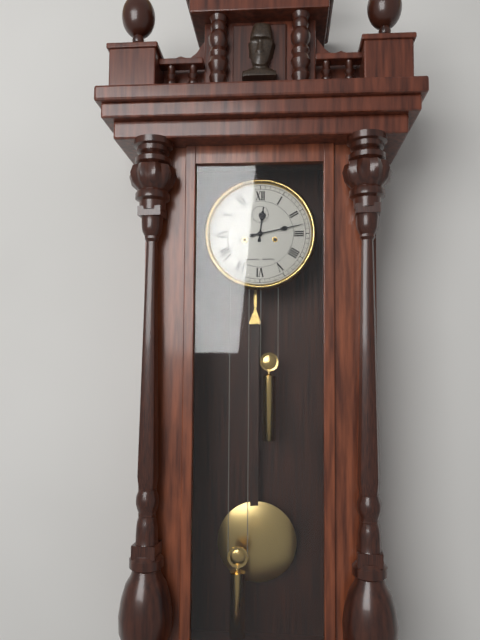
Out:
12.13
